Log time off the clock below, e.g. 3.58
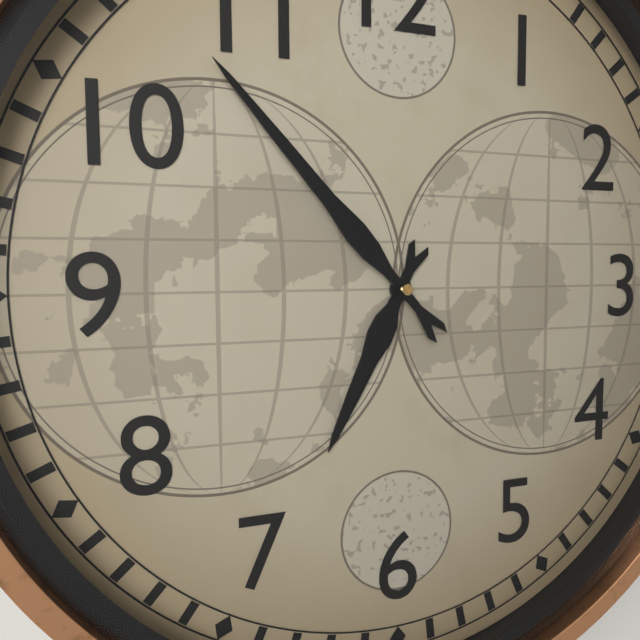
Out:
6.53
